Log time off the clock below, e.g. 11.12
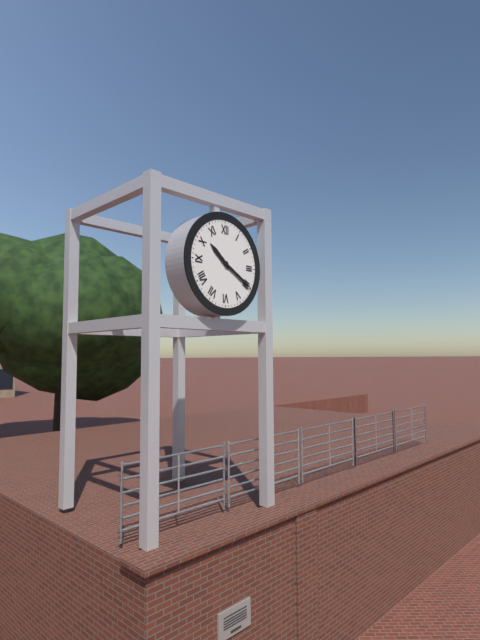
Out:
10.20
